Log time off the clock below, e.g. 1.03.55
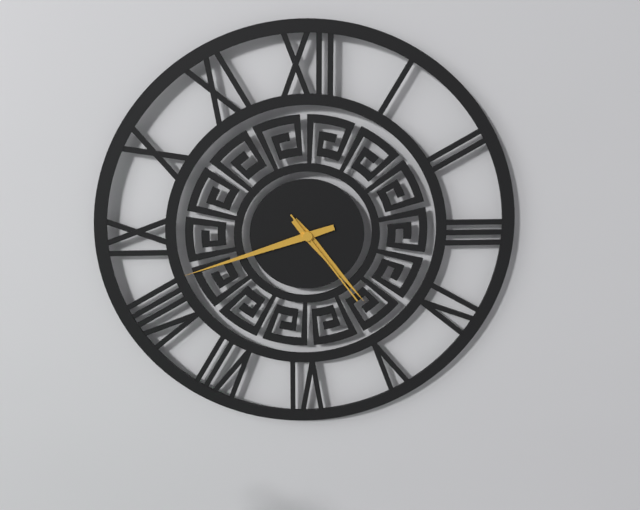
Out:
4.42.24
